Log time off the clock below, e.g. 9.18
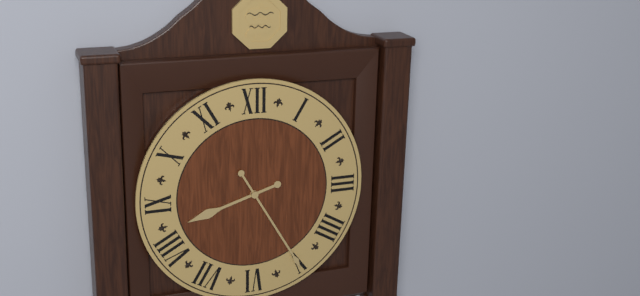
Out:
8.25
